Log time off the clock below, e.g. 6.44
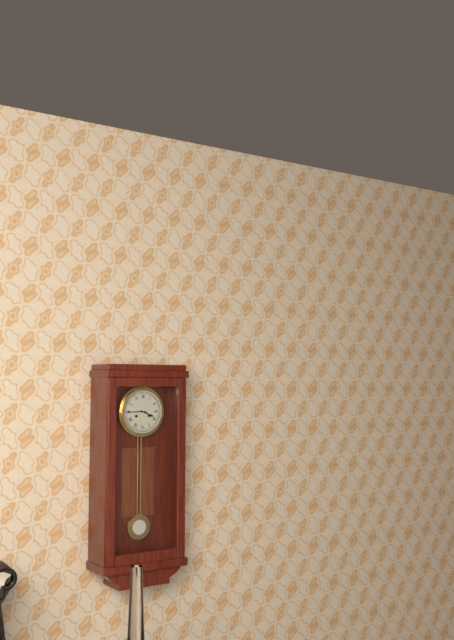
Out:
3.45
